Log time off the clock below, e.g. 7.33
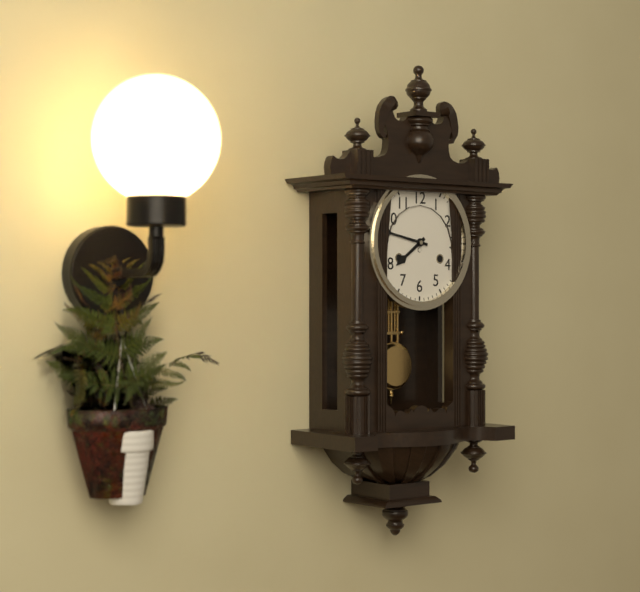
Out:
7.47
